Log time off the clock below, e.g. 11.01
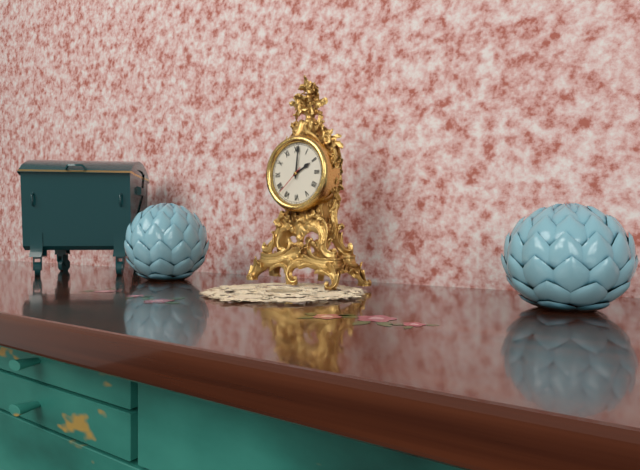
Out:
2.01
